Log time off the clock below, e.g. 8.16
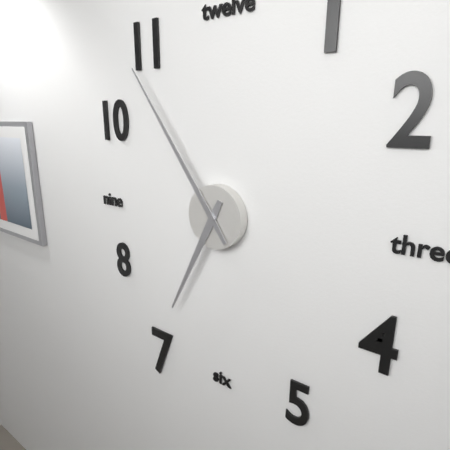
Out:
6.54
